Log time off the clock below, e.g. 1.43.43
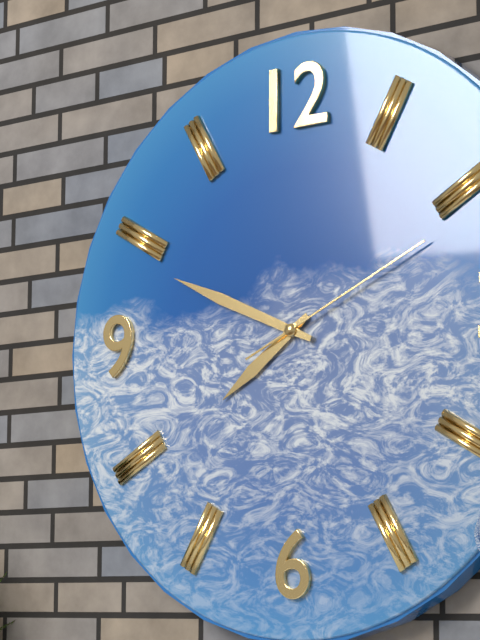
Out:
7.49.11
